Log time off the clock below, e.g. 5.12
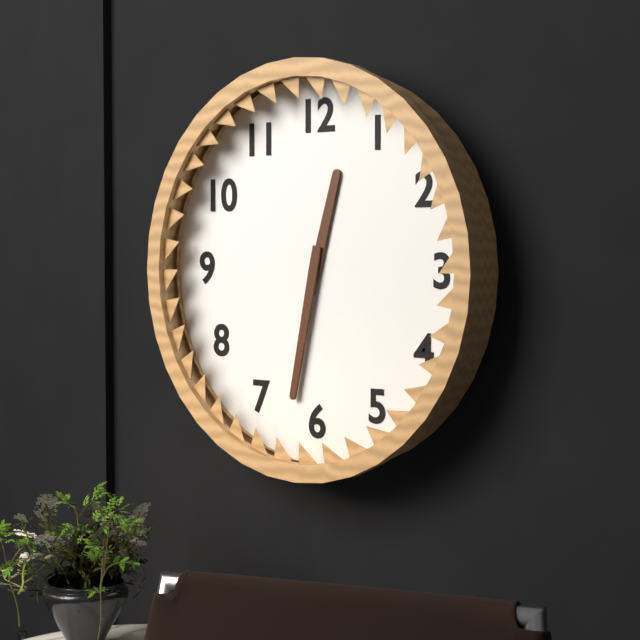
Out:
12.32
